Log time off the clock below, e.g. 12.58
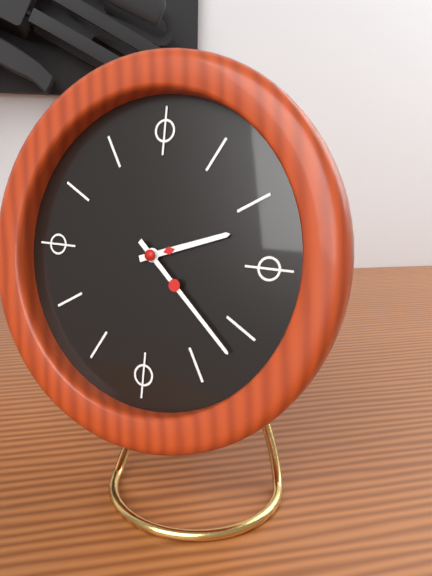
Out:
2.22
